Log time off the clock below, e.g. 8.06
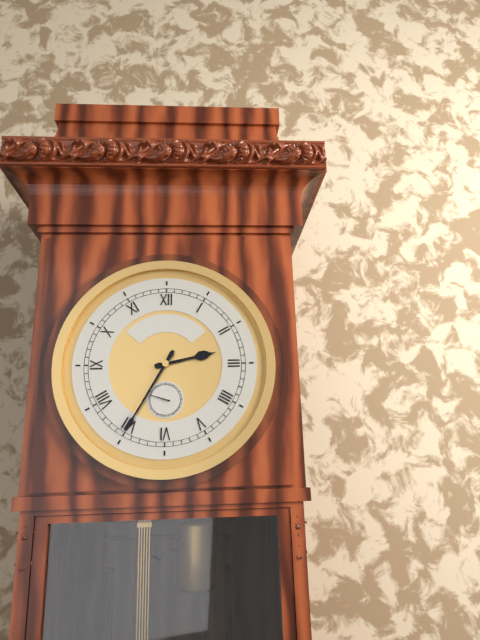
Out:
2.35
